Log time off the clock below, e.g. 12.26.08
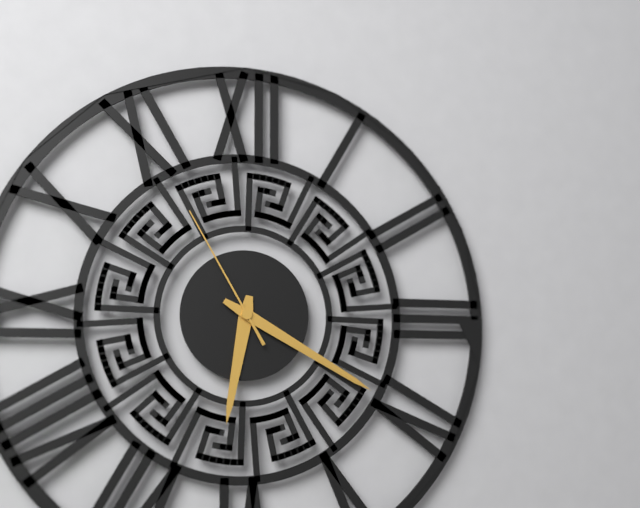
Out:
6.20.55
